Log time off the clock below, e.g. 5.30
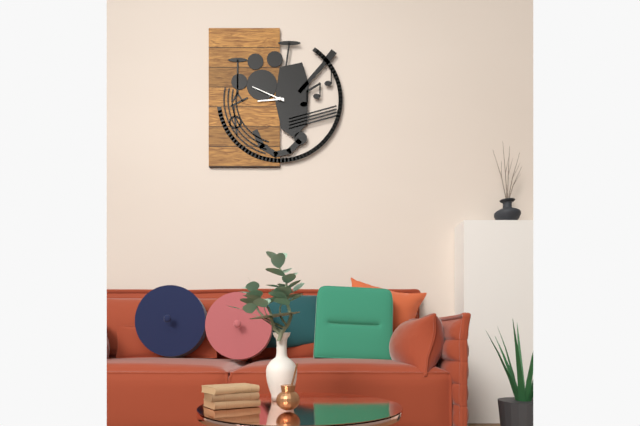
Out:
8.49
